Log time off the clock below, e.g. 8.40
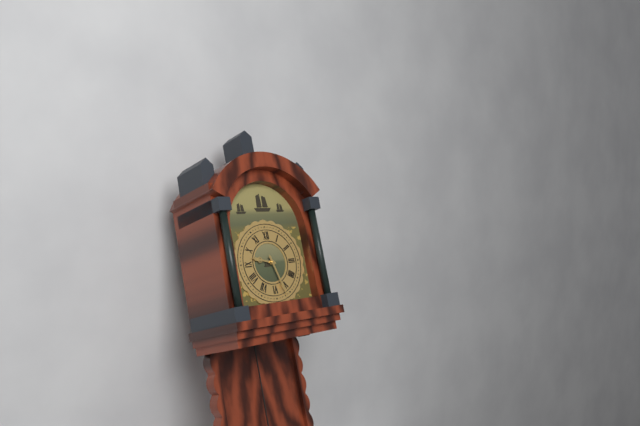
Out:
9.27
